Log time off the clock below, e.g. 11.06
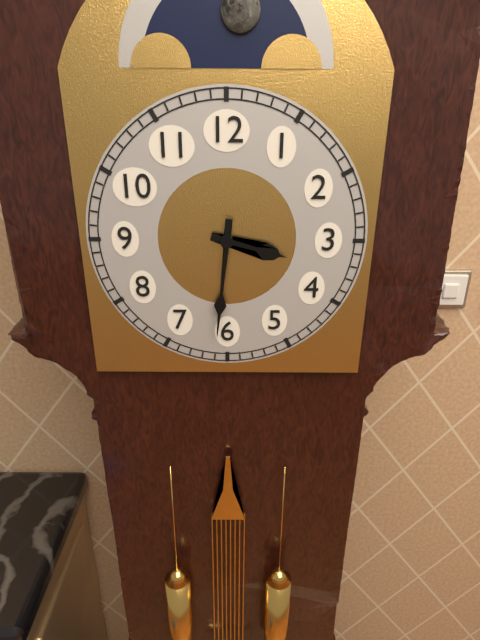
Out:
3.31
